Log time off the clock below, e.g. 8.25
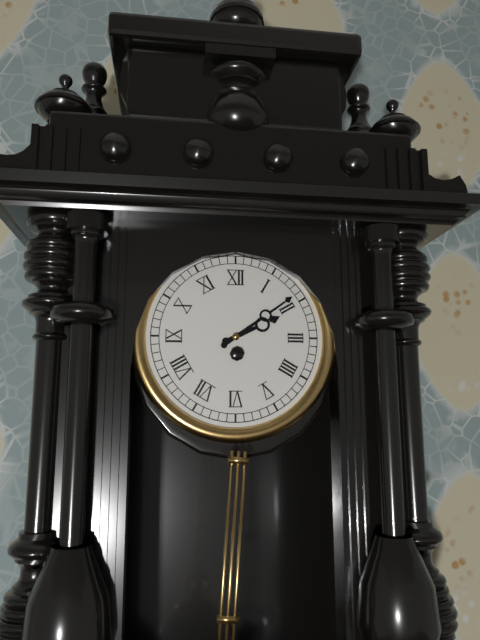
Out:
2.09
